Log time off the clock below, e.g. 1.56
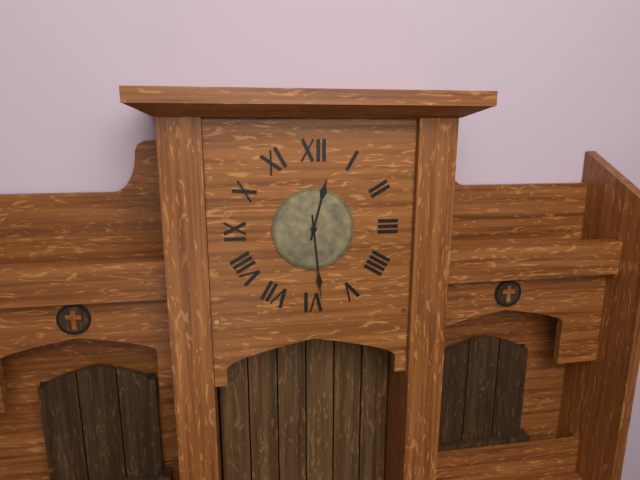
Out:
12.29
